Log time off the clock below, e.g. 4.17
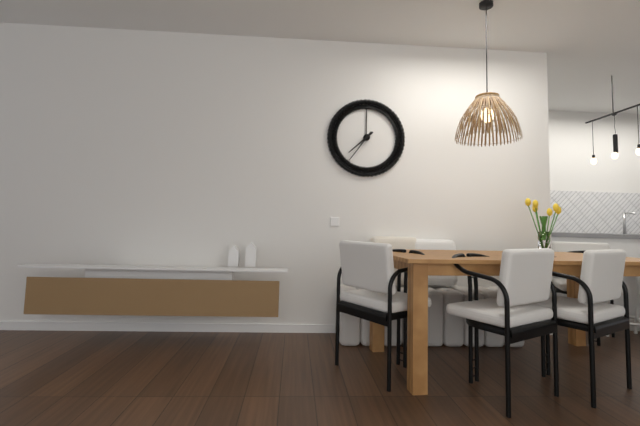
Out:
7.36
